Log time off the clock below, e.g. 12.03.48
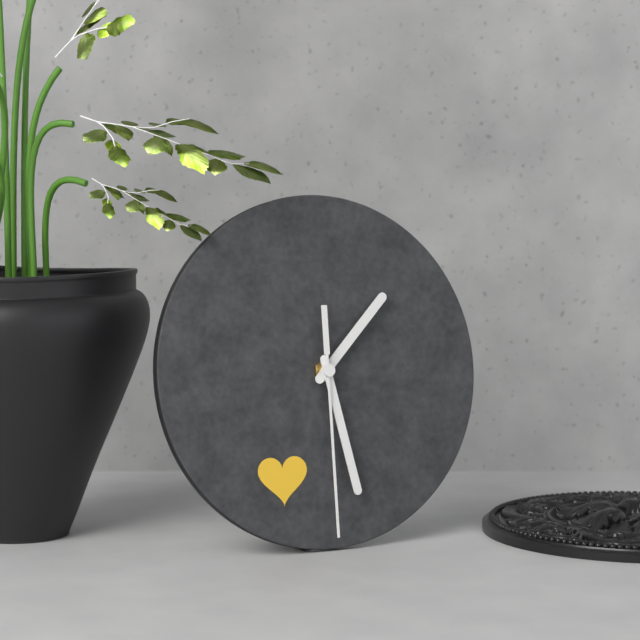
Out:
1.28.30
